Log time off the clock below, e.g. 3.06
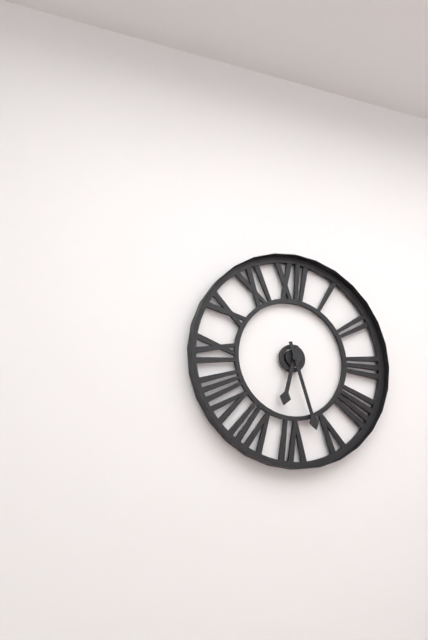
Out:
6.27
